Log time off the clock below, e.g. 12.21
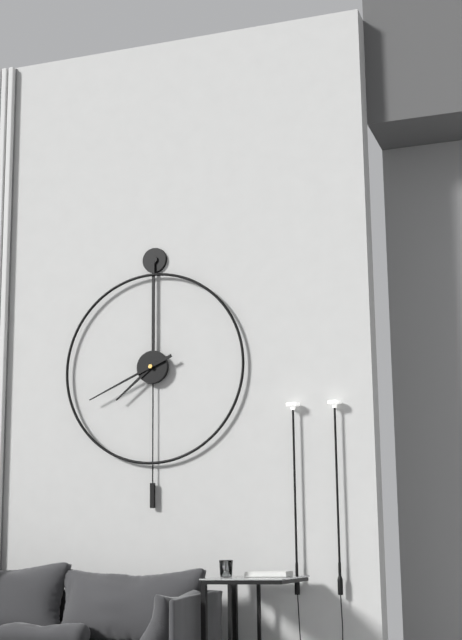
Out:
7.41
